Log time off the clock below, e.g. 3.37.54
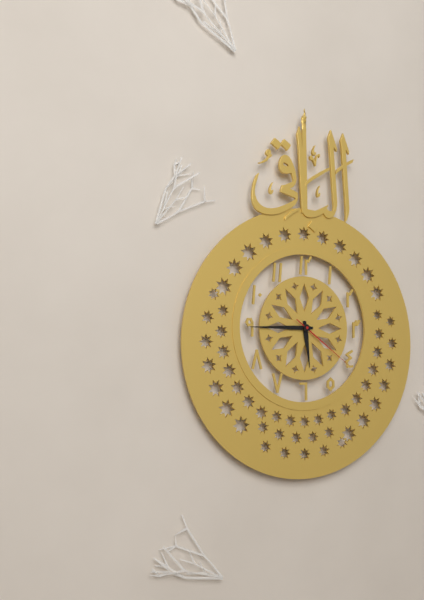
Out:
5.45.21
